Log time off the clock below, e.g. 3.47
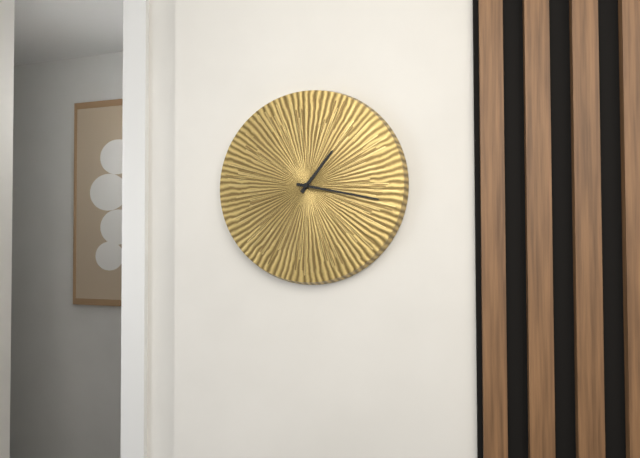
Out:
1.17
